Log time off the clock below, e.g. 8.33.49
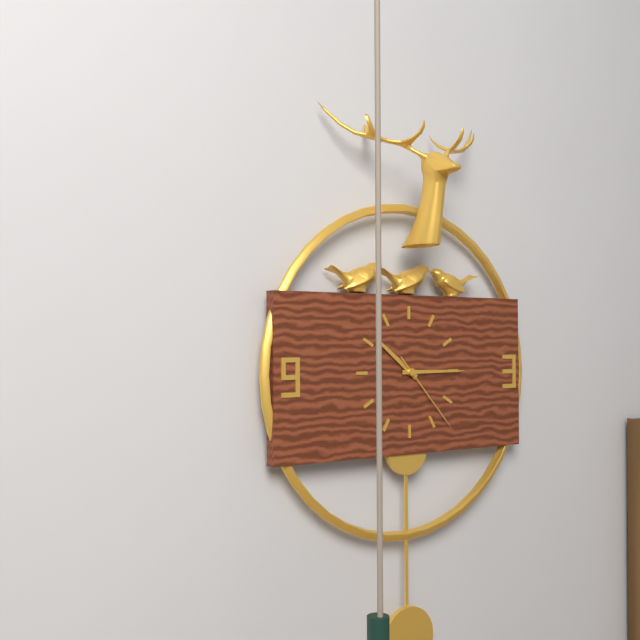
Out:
10.15.23
